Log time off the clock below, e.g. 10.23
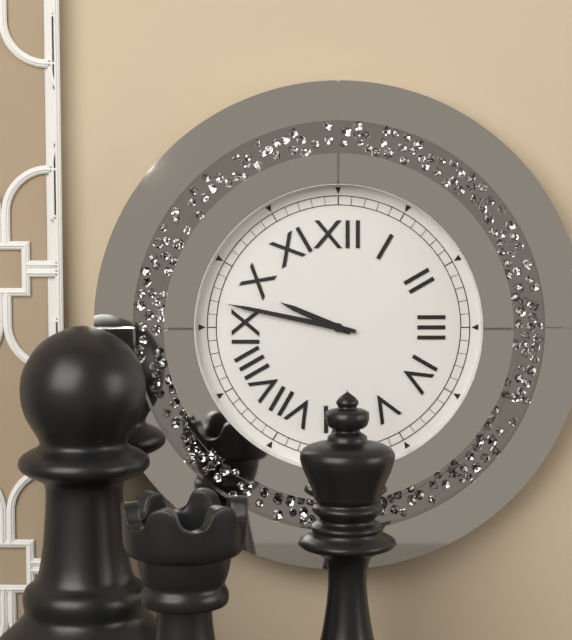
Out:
9.47
